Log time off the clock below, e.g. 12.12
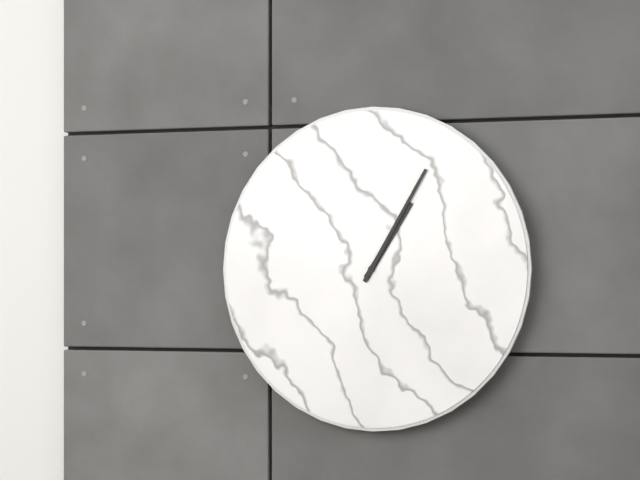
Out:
1.05
